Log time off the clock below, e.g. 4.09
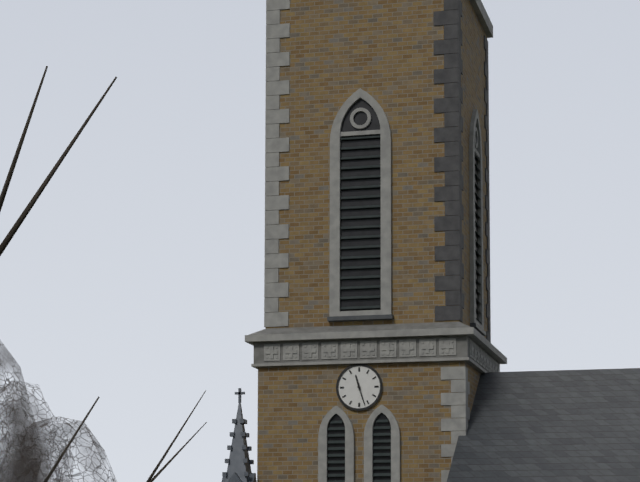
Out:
11.27
